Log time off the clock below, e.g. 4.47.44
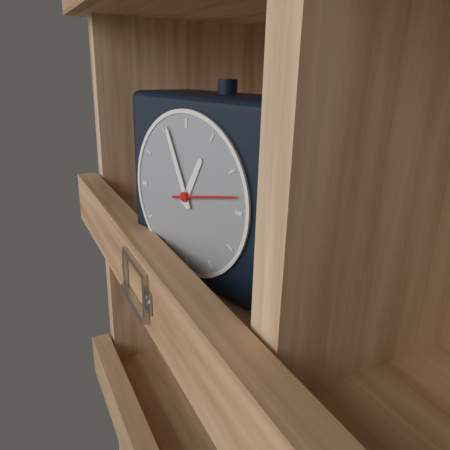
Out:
12.56.13
